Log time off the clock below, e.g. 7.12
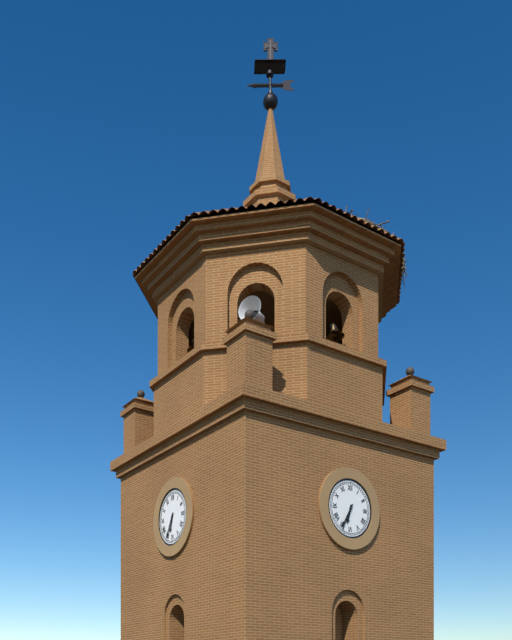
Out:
6.35
